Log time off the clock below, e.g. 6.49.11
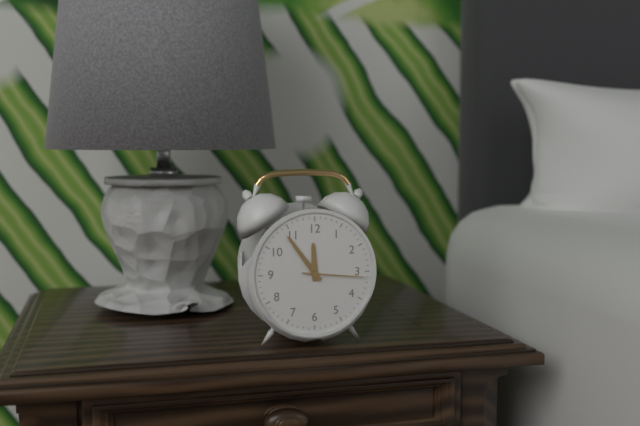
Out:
11.54.16
